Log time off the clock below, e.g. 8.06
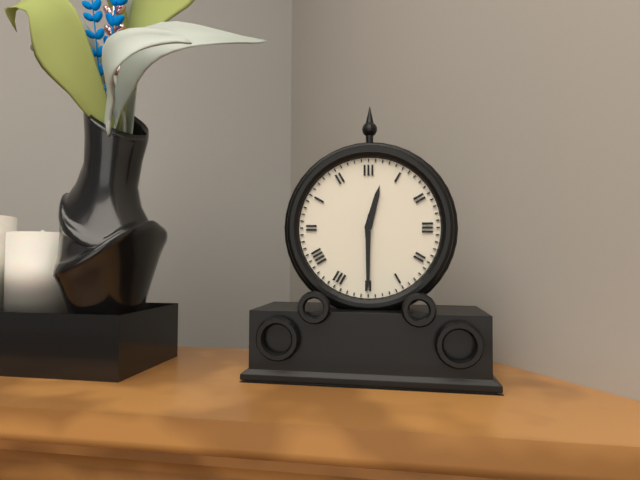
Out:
12.30
